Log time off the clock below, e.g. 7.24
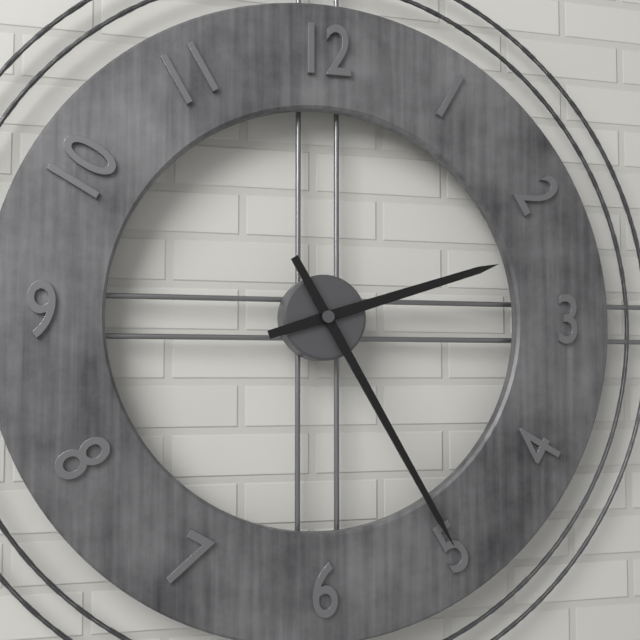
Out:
2.25
